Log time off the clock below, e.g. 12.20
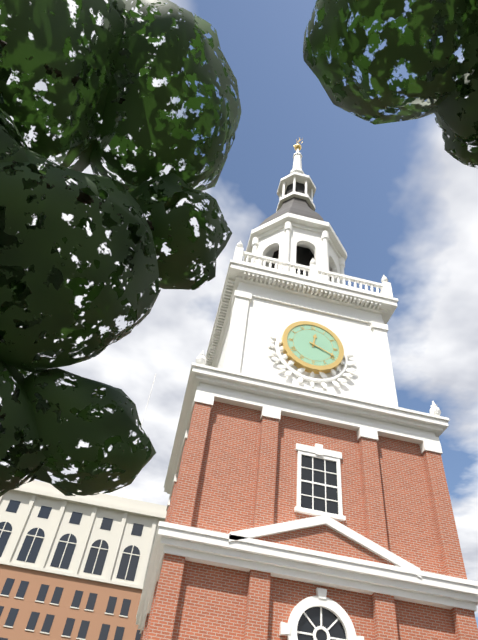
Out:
12.19
